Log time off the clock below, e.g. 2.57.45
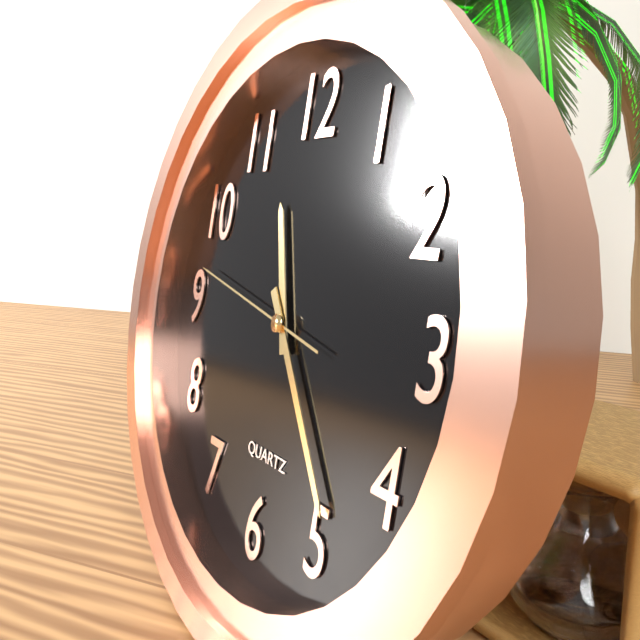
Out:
11.24.47
